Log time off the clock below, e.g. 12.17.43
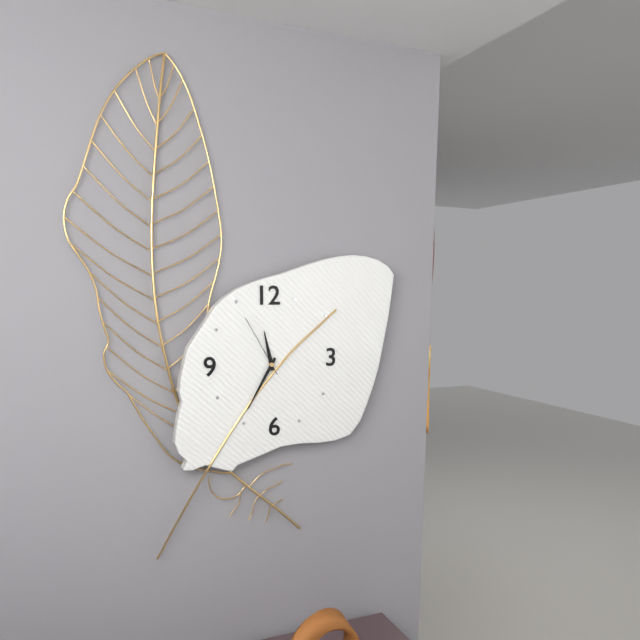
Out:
11.35.55
